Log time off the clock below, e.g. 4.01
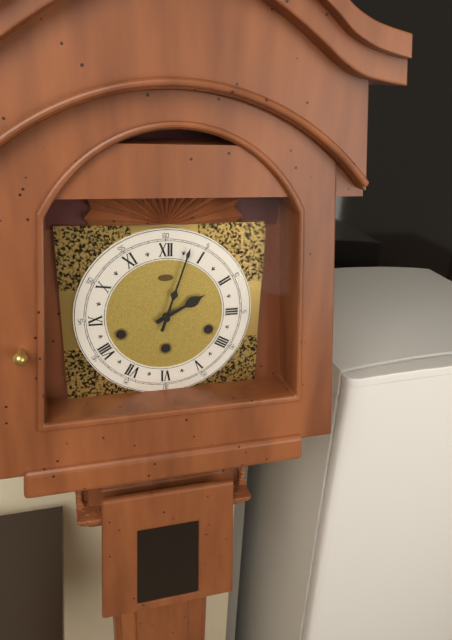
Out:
2.03
